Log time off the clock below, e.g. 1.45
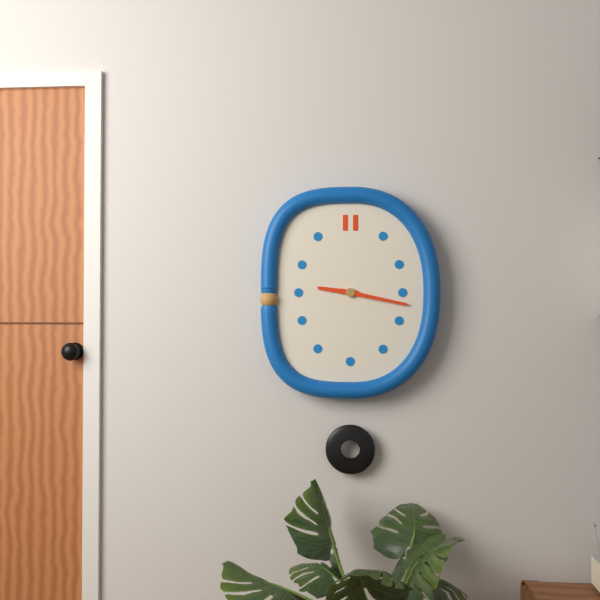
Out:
9.17
